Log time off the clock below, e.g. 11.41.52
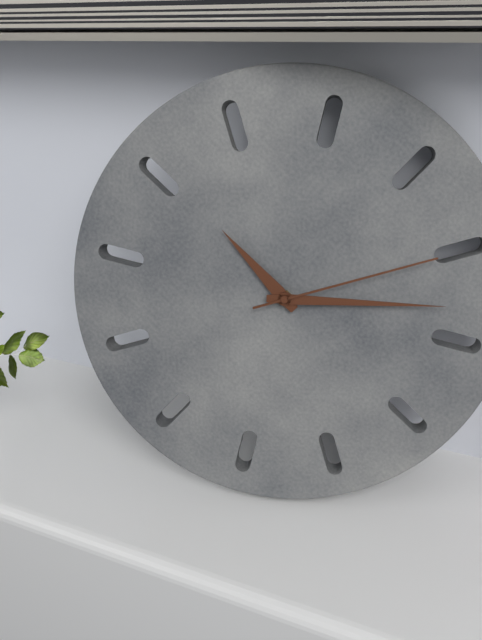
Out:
9.08.05
